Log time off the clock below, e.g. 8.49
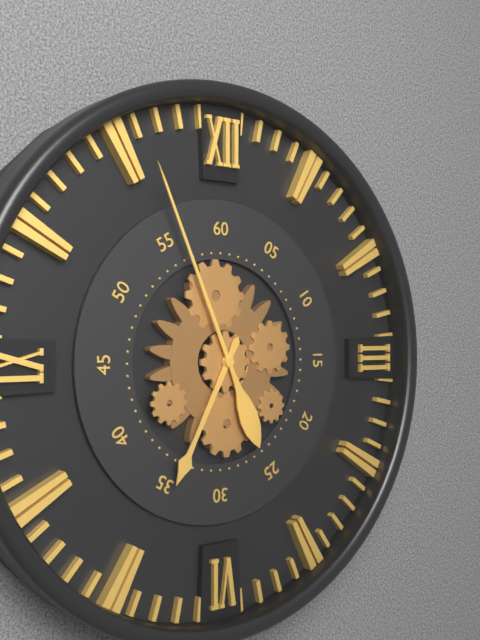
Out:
6.56
